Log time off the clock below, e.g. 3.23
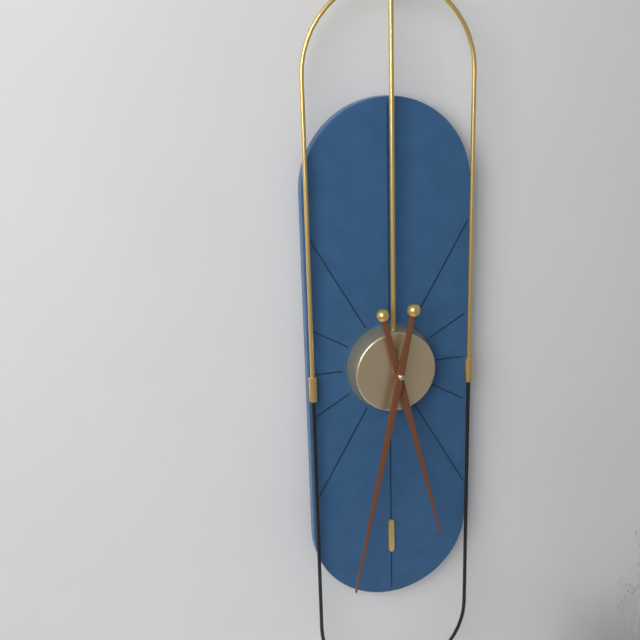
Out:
5.32
